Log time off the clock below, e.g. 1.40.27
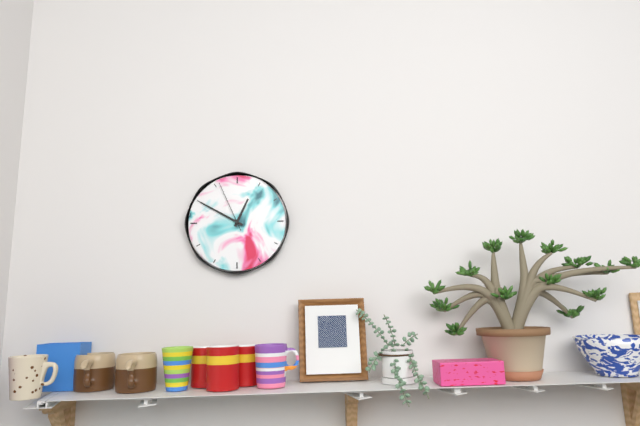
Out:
12.50.56
